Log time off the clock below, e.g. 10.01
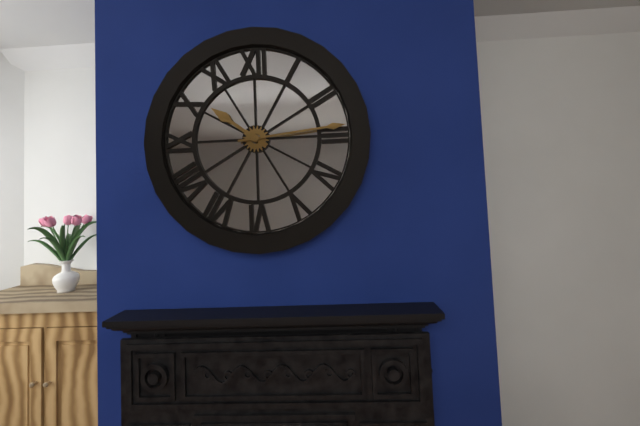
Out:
10.14
